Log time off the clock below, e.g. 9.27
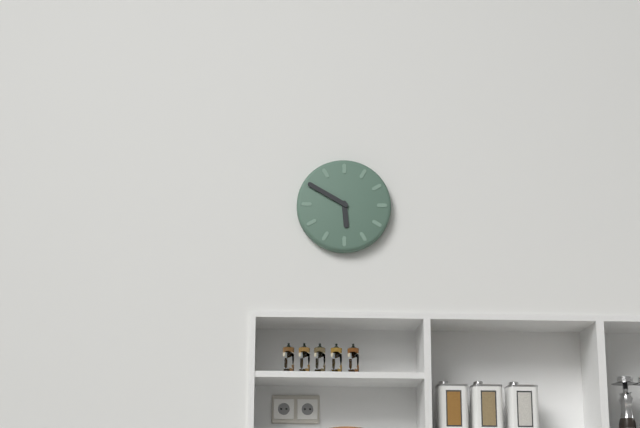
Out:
5.50
